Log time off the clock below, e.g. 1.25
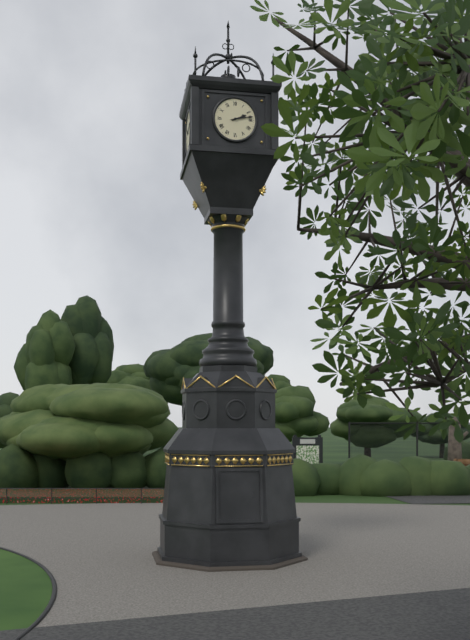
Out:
2.13
